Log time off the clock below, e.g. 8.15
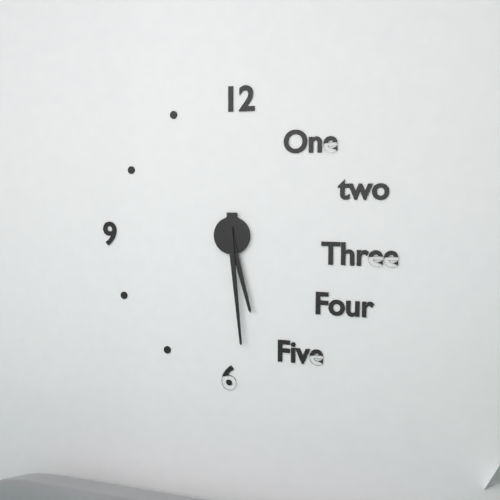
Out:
5.29
